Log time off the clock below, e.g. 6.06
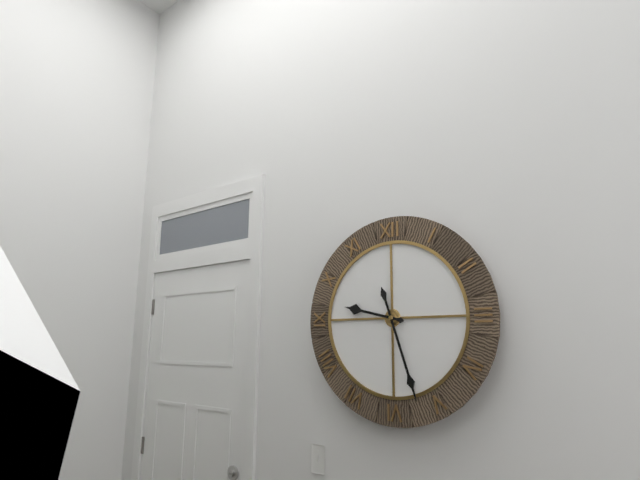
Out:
9.27
